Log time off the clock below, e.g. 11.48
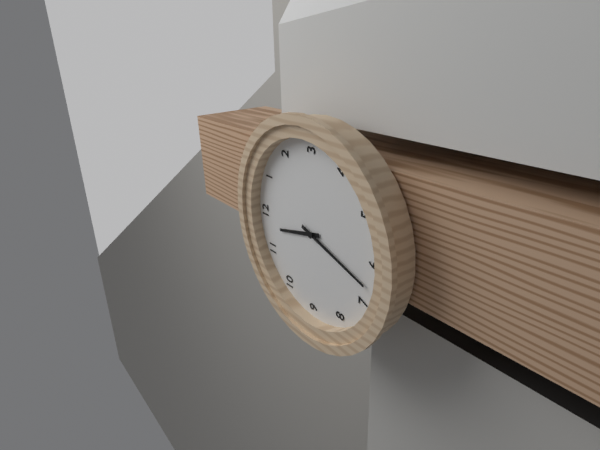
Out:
11.33
